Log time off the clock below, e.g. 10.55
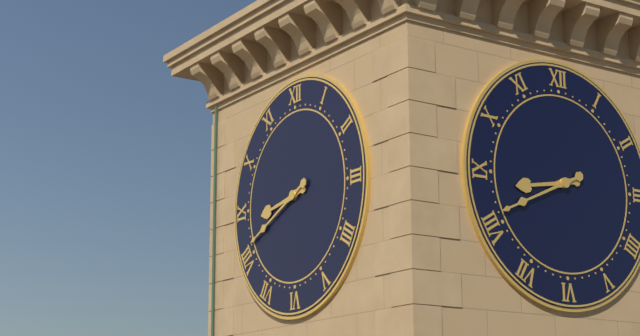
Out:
8.41
